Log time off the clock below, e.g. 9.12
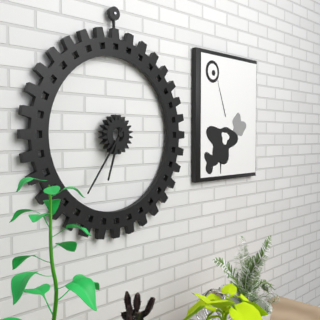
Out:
6.36
